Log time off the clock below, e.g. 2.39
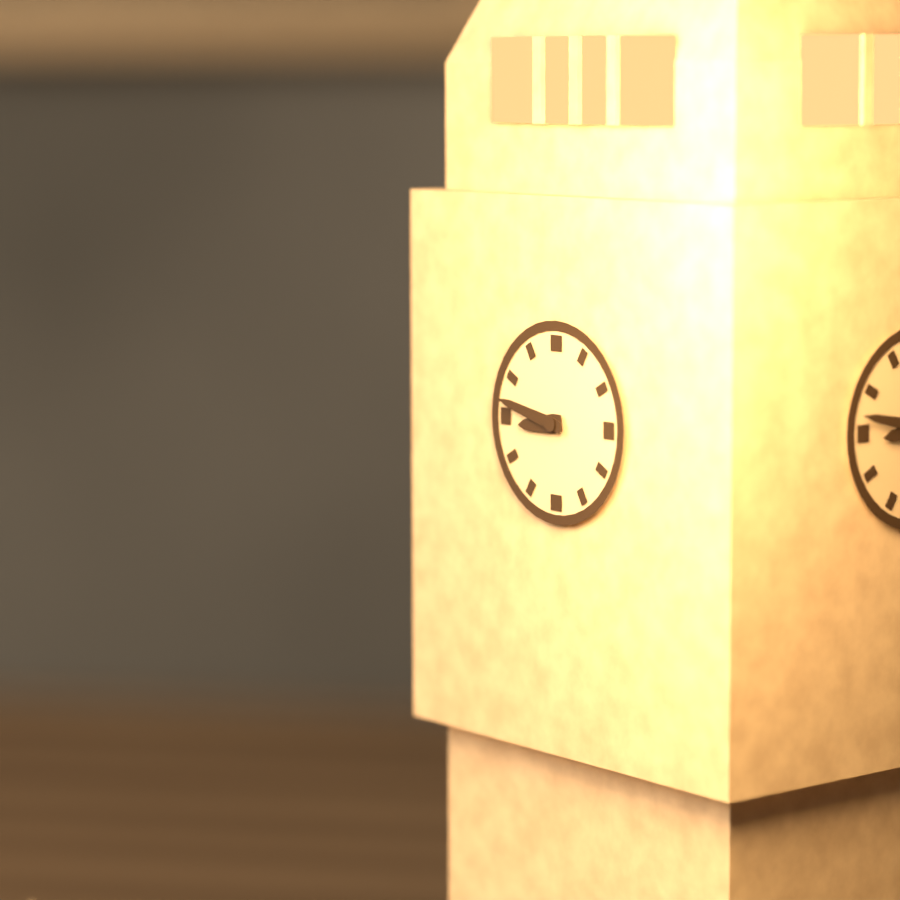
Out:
8.47
